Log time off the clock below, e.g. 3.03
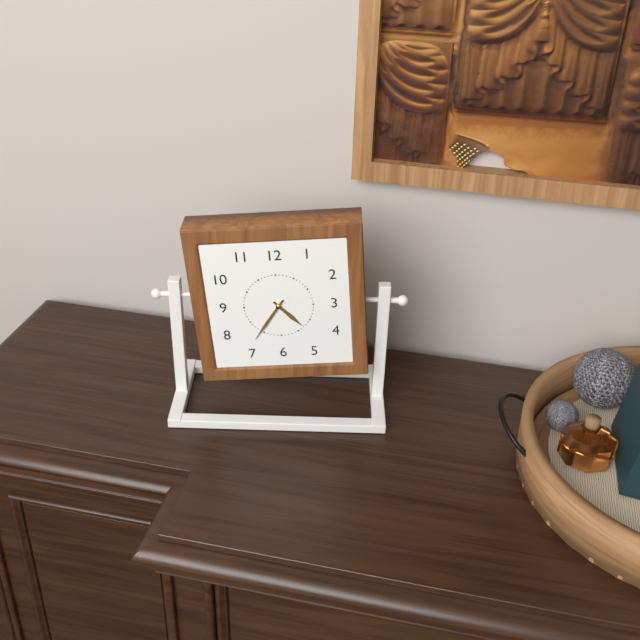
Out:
4.36
